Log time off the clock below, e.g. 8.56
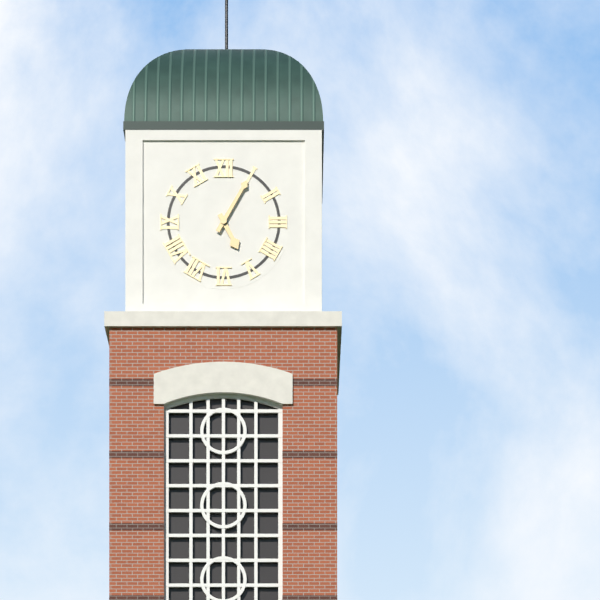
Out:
5.05
